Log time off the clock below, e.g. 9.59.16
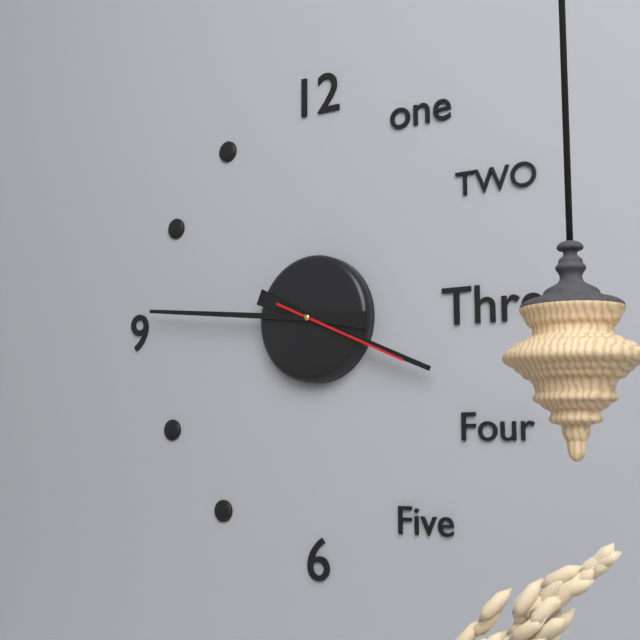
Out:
3.46.19
